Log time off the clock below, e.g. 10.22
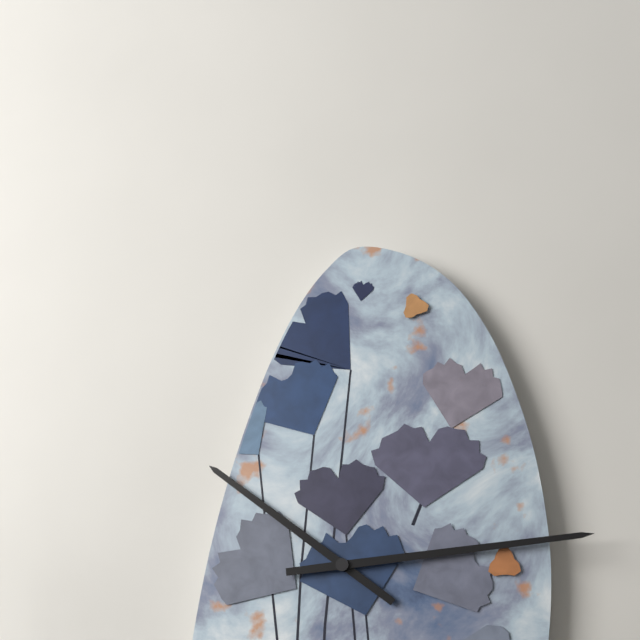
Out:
10.14
